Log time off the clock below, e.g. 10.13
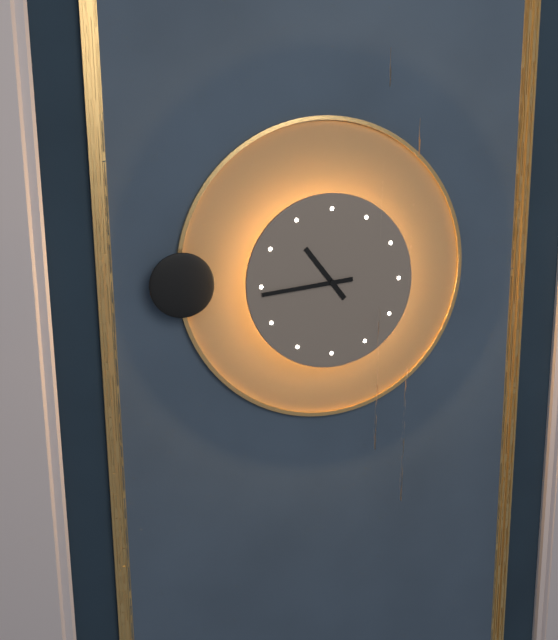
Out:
10.44
